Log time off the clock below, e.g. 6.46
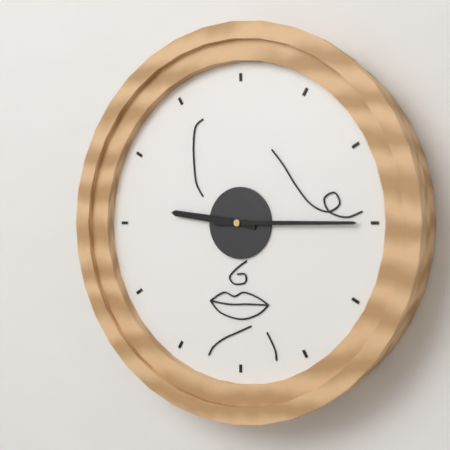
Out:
9.15
